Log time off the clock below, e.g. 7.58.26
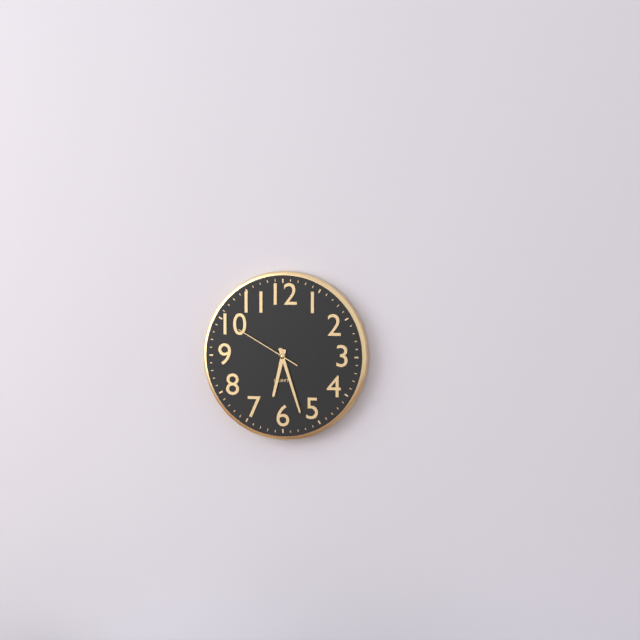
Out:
6.27.50
